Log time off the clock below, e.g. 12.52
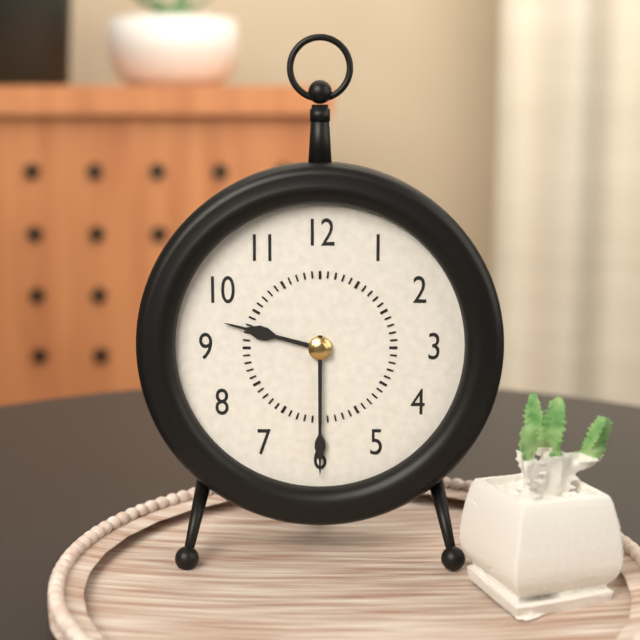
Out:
9.30
